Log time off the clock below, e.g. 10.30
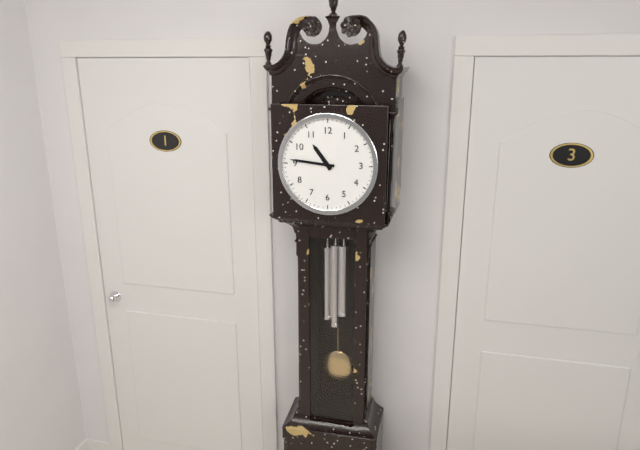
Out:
10.46
